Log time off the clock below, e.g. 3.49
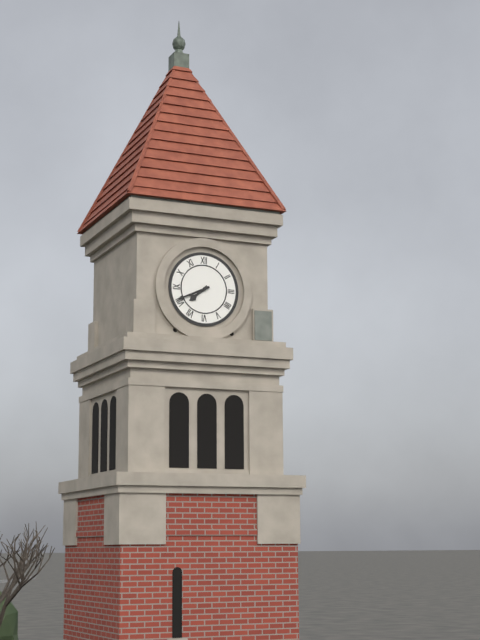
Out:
7.41
